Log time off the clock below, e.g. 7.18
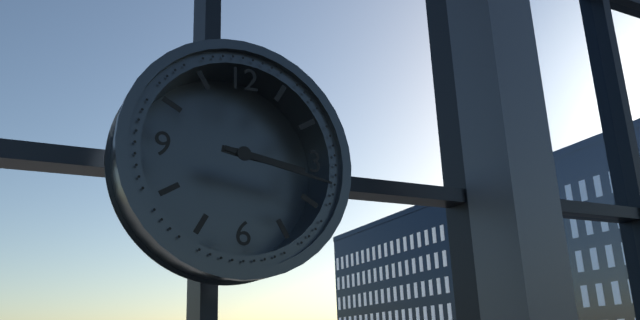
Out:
3.17
